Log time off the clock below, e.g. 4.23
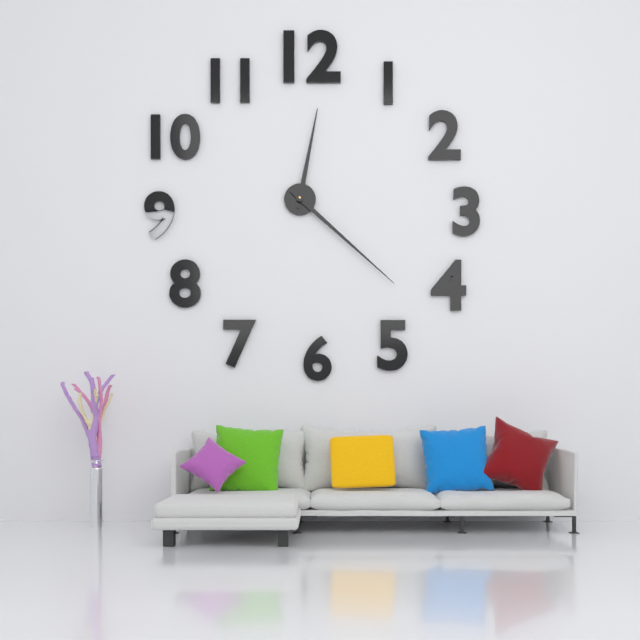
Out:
12.22
